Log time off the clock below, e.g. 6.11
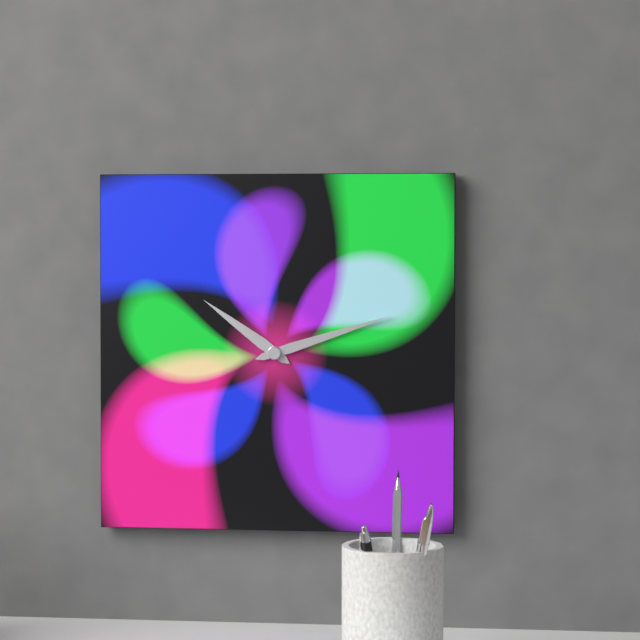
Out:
10.12
